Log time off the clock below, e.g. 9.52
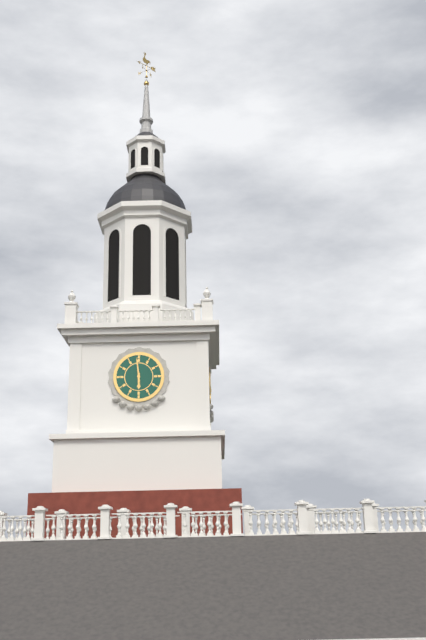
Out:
5.59
